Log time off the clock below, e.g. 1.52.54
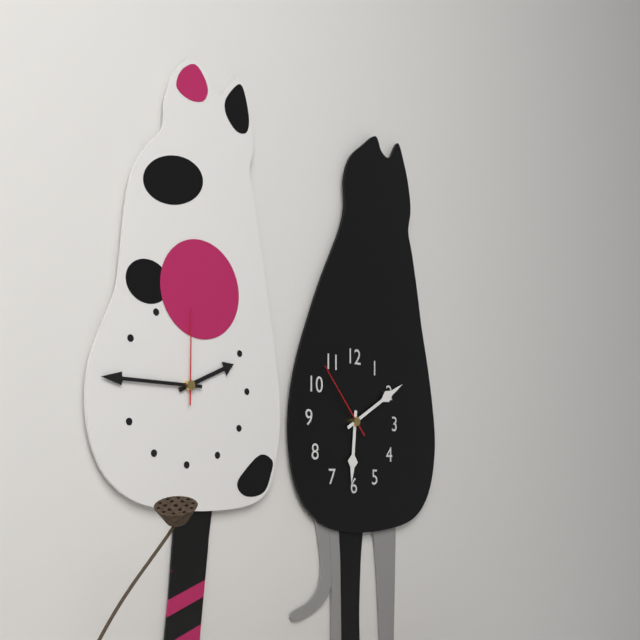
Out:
6.10.53
